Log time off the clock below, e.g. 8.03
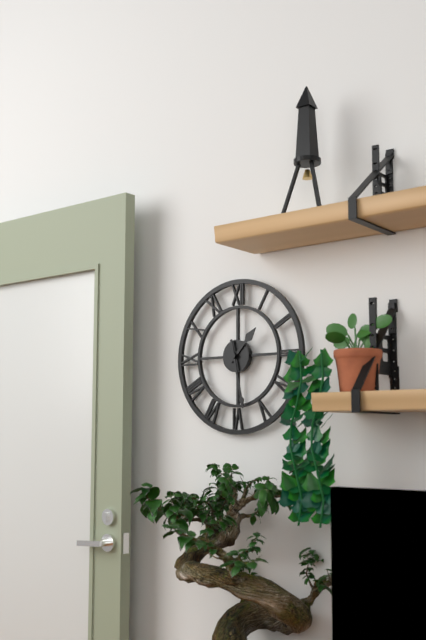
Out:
1.28
